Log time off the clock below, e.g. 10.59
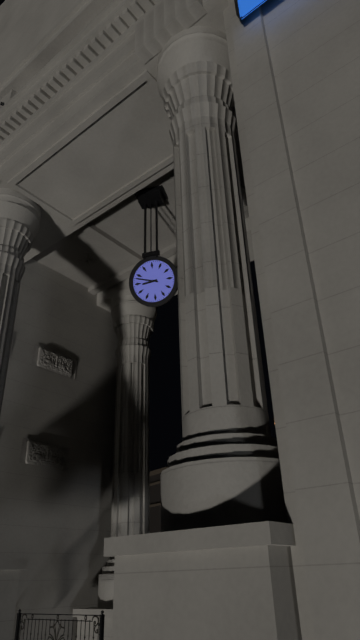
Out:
8.48
